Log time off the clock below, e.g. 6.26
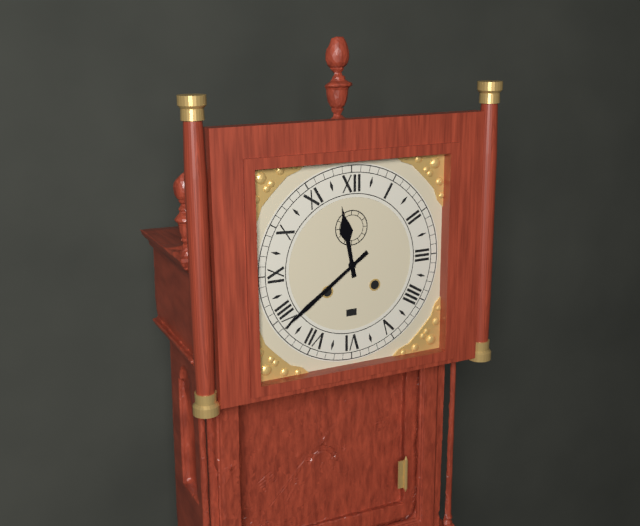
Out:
11.39
